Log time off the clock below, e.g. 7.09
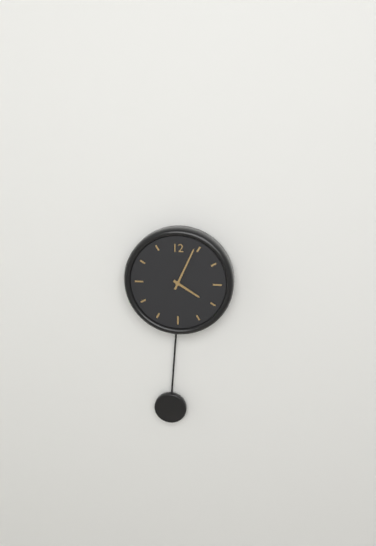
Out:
4.04
